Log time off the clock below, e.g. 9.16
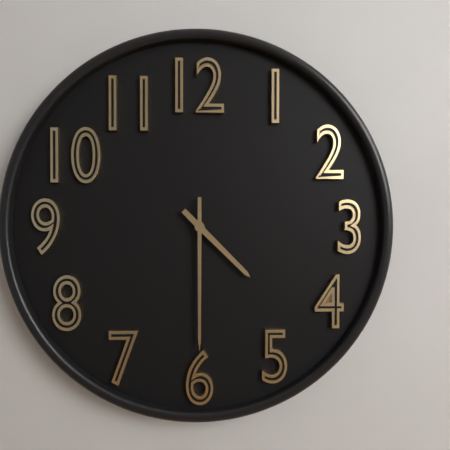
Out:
4.30
